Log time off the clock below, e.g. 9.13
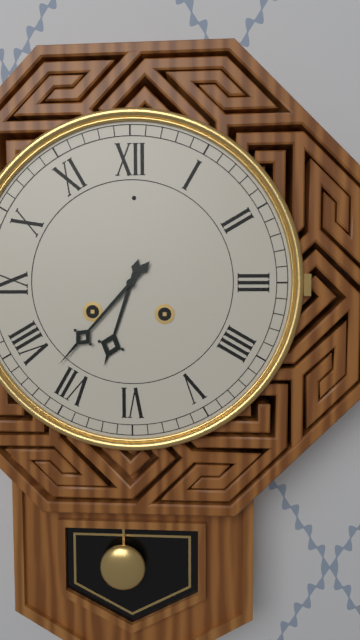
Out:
6.37
